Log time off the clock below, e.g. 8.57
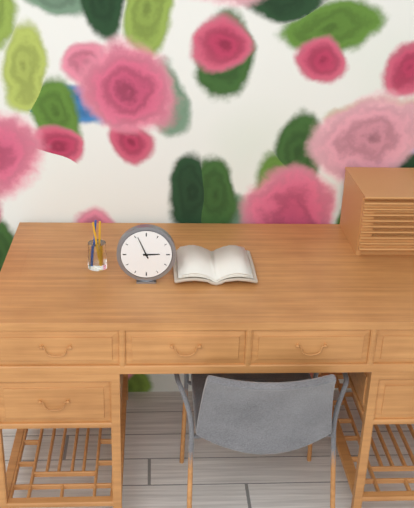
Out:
2.56
